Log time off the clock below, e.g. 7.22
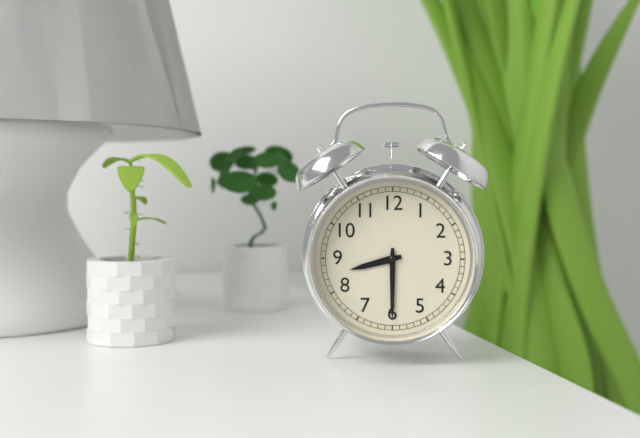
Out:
8.30
